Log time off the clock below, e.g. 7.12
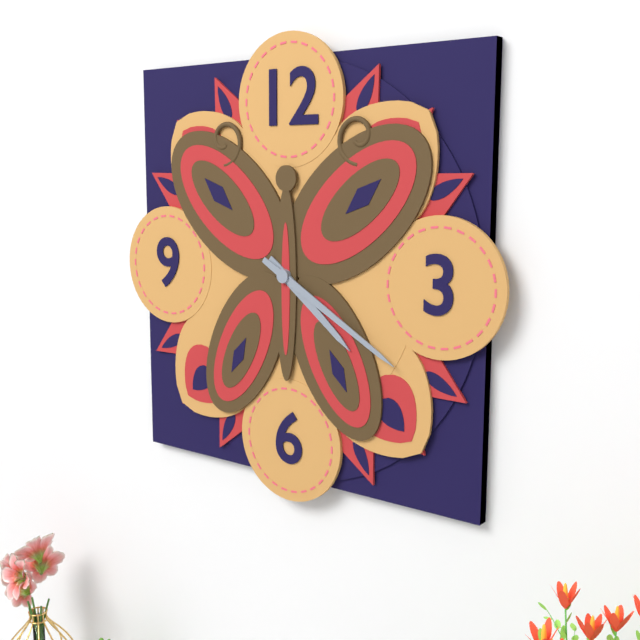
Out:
4.20
